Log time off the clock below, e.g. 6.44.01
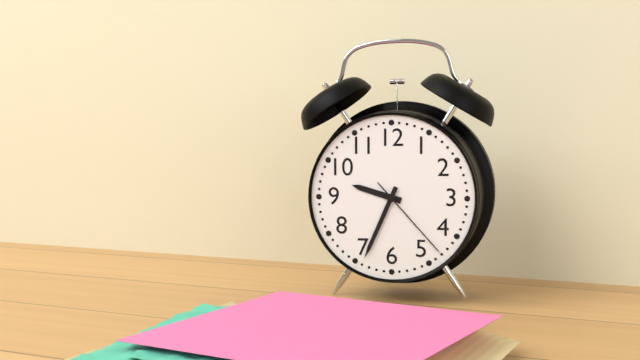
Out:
9.34.23
